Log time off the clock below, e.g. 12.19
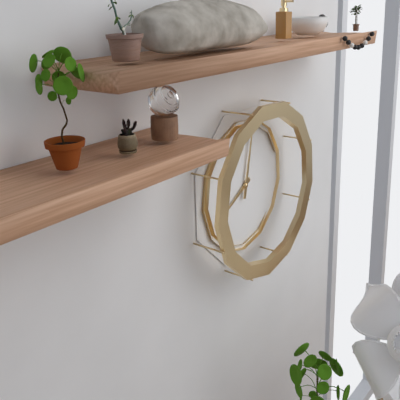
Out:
8.02
